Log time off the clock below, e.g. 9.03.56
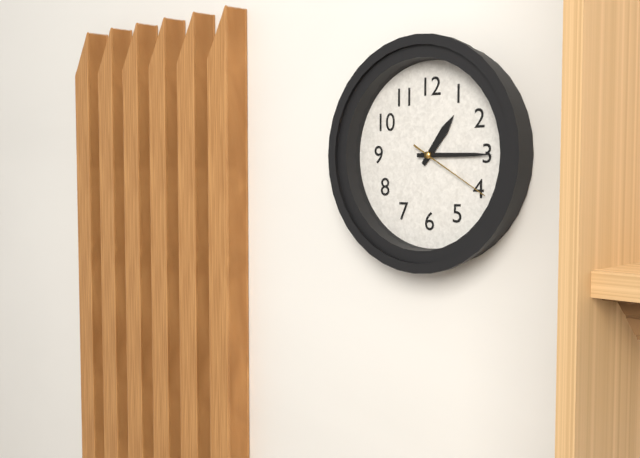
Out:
1.15.20
